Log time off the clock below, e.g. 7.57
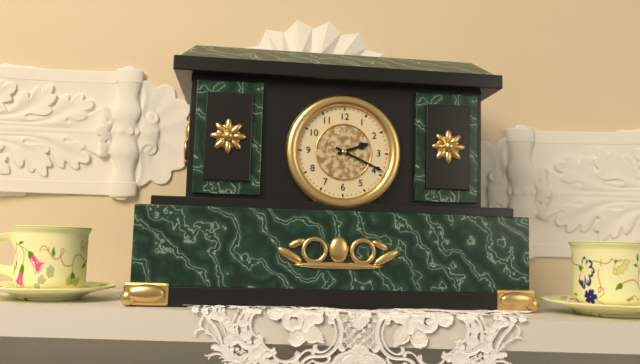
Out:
2.19
